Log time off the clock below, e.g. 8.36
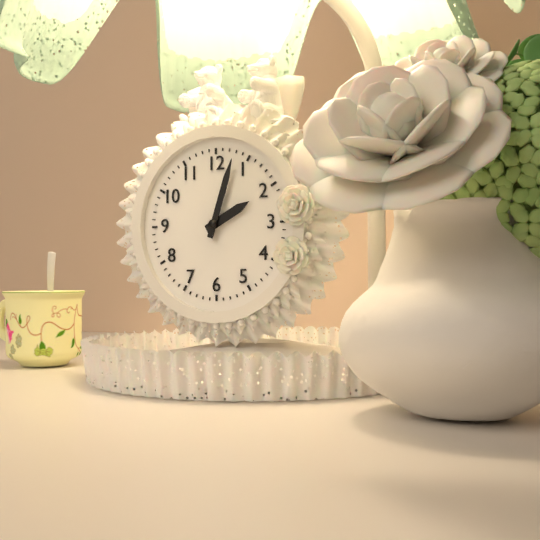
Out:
2.03
